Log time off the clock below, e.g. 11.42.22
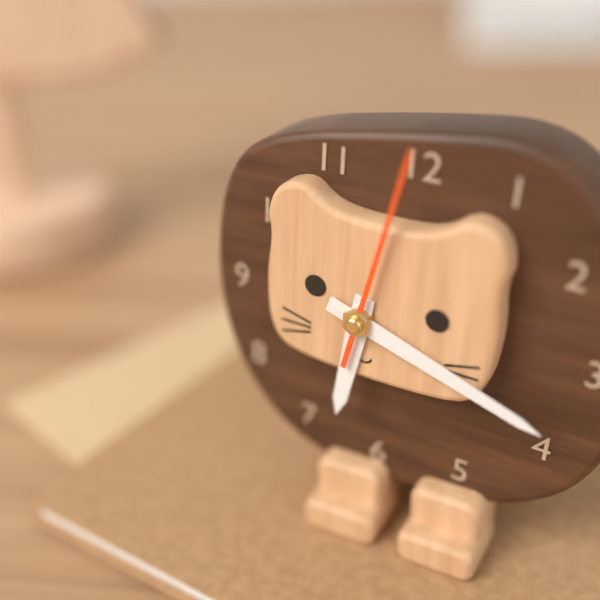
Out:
6.18.02
